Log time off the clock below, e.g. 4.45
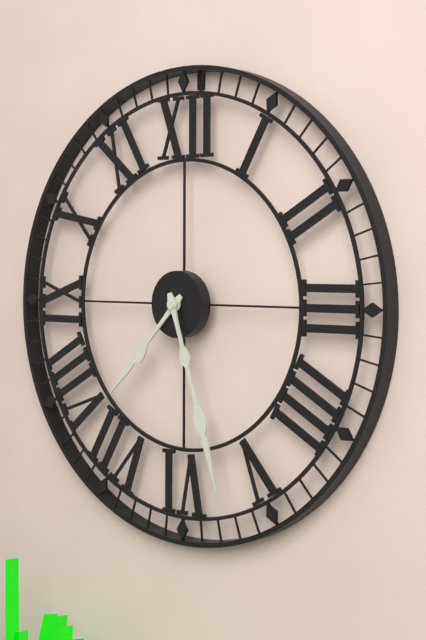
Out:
7.27
